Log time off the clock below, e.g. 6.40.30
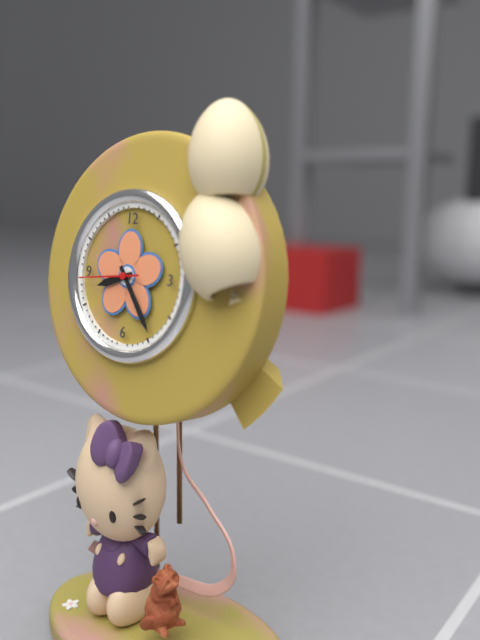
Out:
8.24.44
